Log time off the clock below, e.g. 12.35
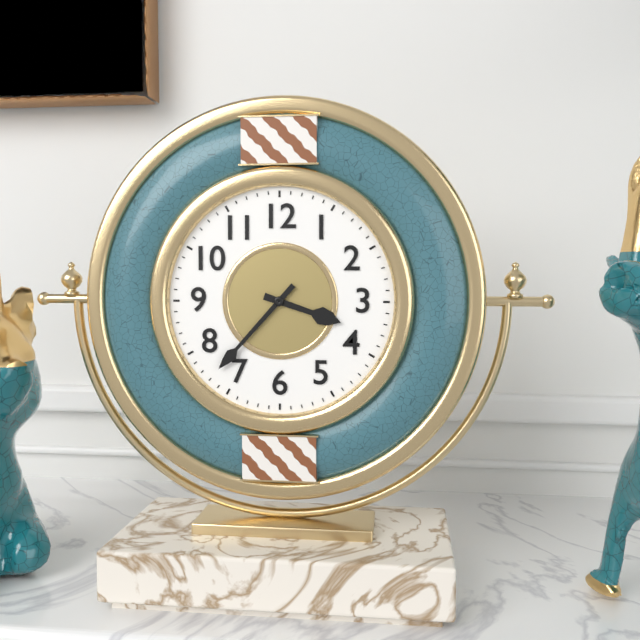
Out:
3.37
